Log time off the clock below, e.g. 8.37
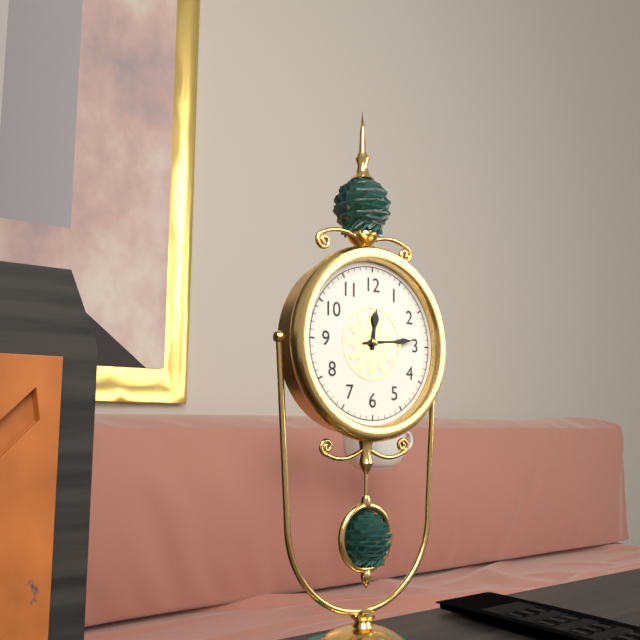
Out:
12.14
